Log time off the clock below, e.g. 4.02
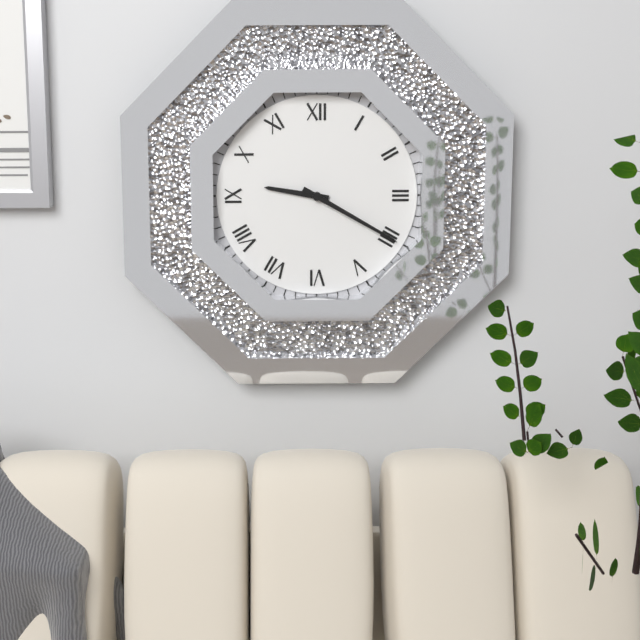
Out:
9.20
